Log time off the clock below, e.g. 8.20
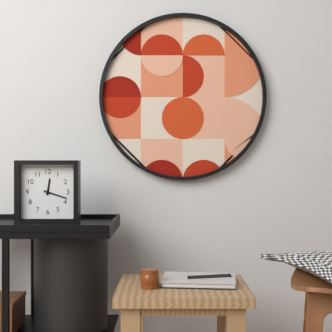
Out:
12.18
